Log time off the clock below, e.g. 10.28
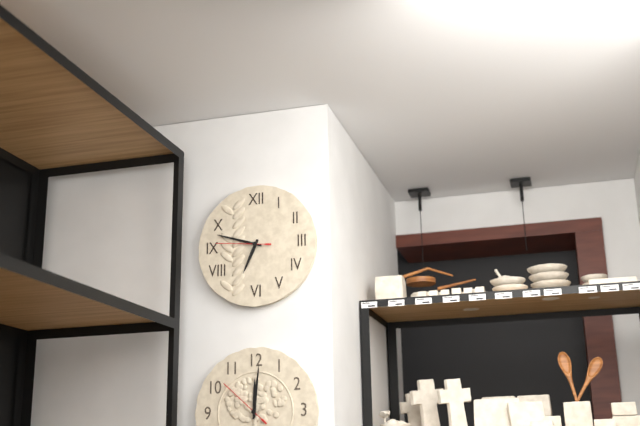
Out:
6.48
